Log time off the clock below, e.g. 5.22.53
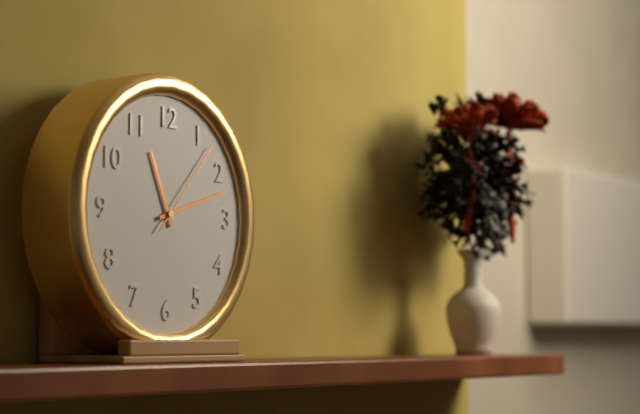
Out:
11.12.07
